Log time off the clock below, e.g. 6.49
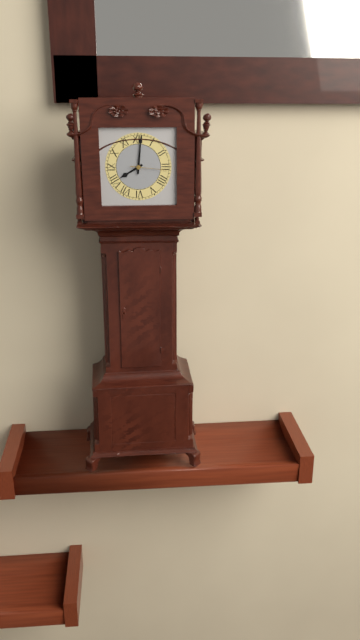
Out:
8.01
